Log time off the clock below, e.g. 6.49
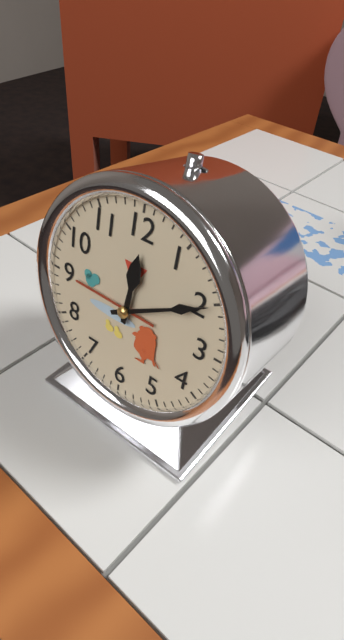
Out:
12.10
